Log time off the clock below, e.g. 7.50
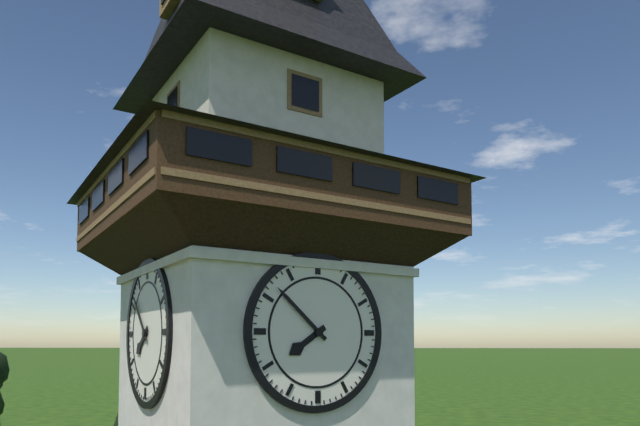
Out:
7.52
